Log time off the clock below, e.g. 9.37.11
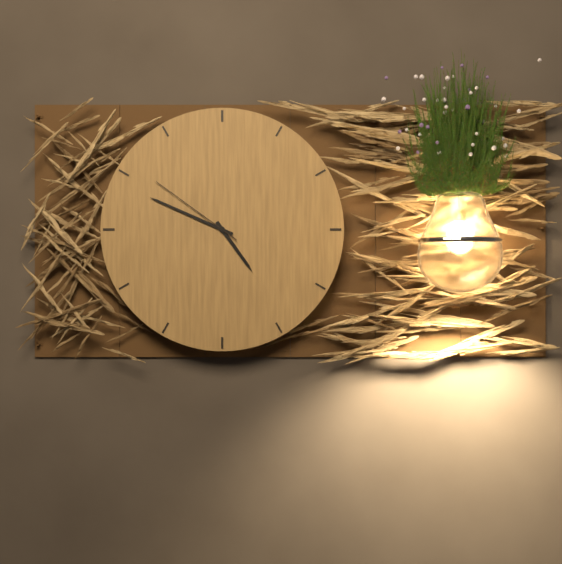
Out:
4.49.51
